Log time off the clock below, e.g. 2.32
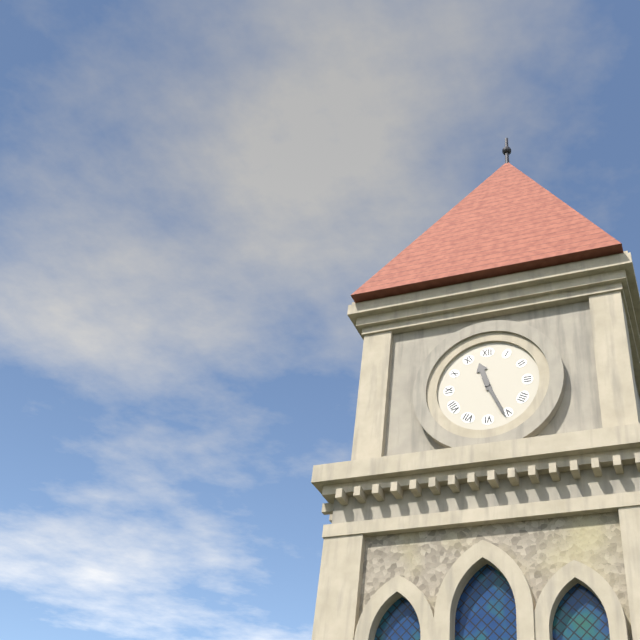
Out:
11.26
